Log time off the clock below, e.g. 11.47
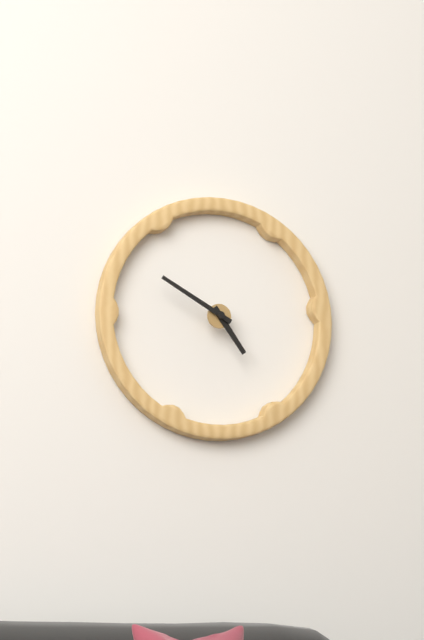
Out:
4.50
